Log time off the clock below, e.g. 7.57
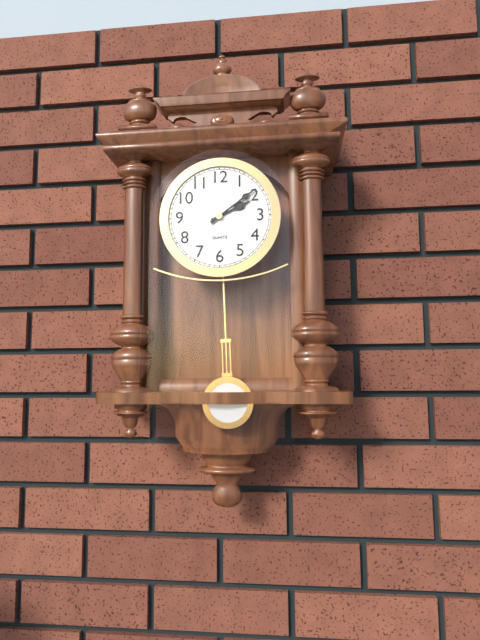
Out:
2.09
